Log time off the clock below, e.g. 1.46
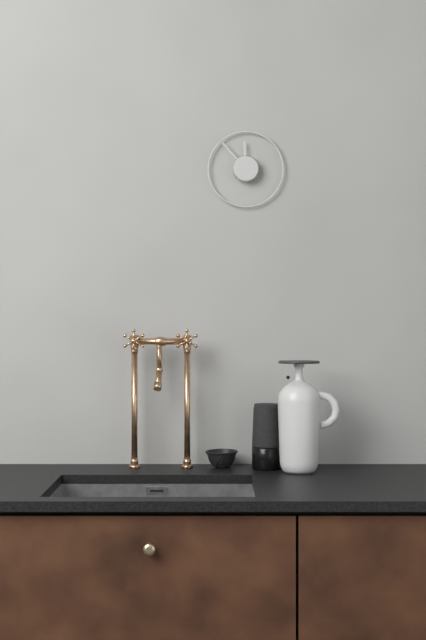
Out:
11.53
